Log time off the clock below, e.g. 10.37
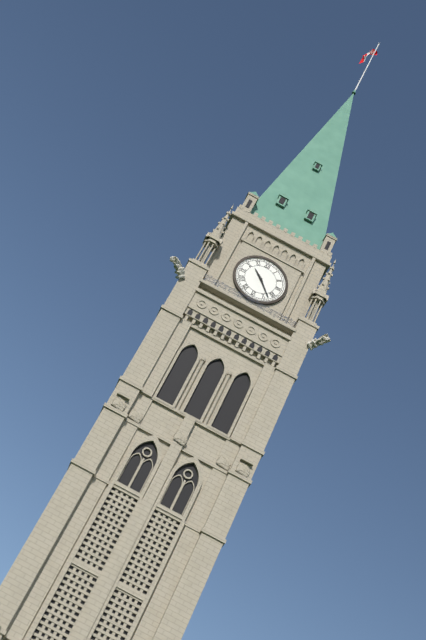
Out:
10.23
